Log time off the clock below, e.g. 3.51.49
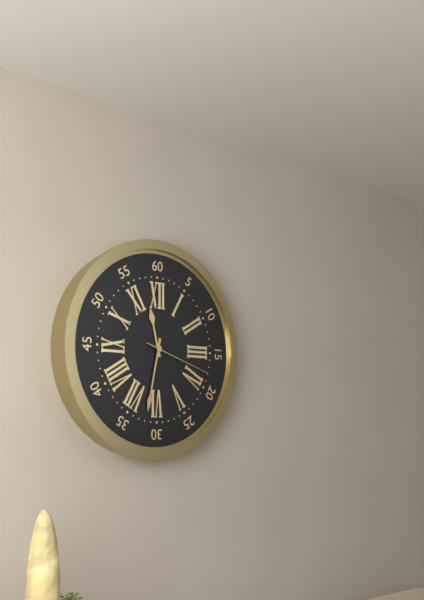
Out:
11.32.18
